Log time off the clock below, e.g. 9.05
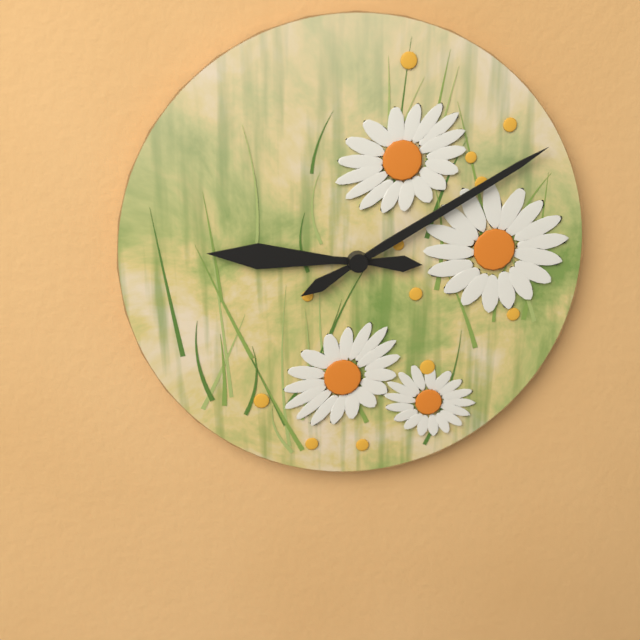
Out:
9.10
